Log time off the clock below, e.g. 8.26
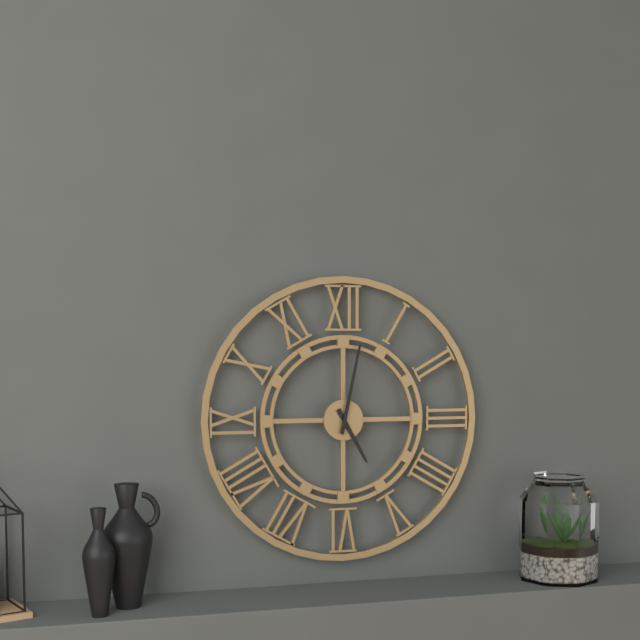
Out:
5.02
